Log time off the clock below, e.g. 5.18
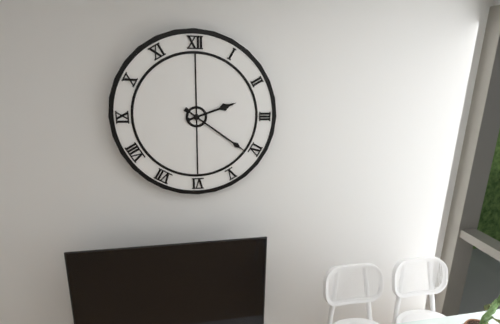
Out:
2.21
